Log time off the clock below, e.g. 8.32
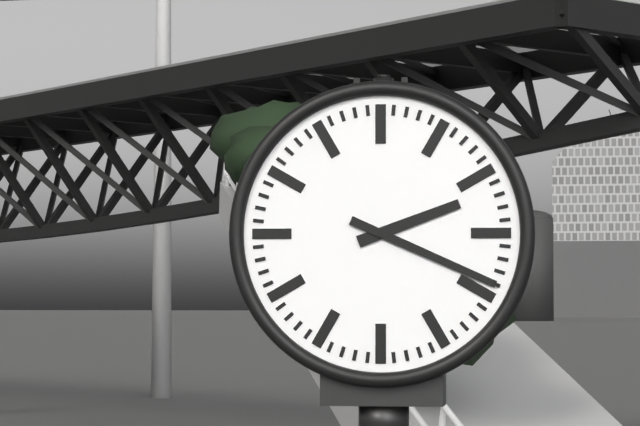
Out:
2.19
